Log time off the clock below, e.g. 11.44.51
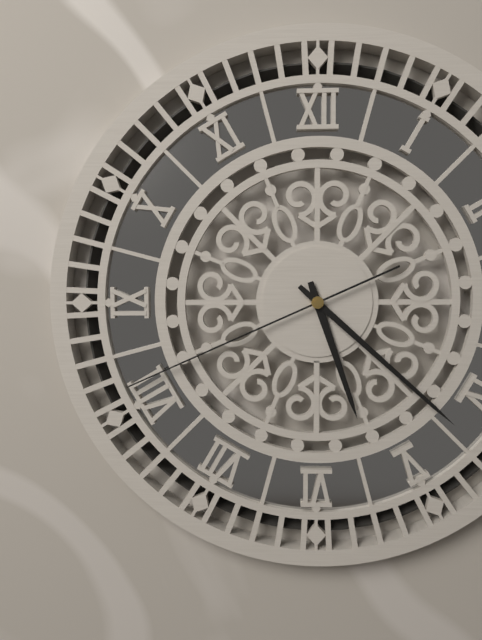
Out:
5.22.41
